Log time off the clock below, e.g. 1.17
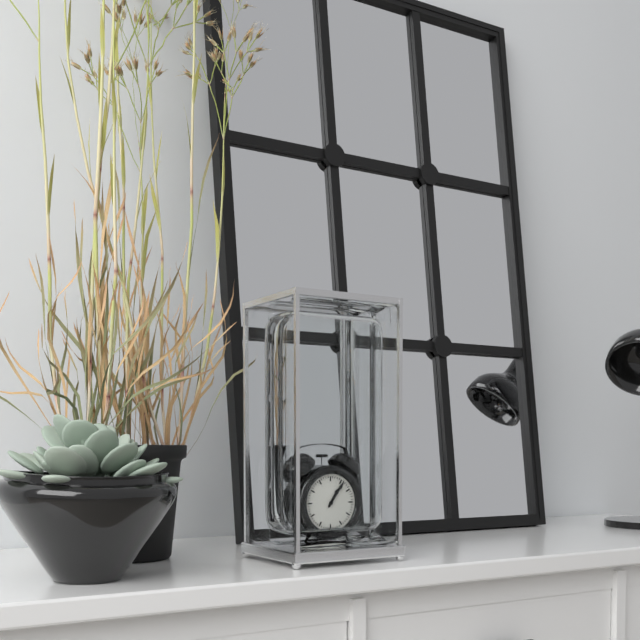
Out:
1.06
